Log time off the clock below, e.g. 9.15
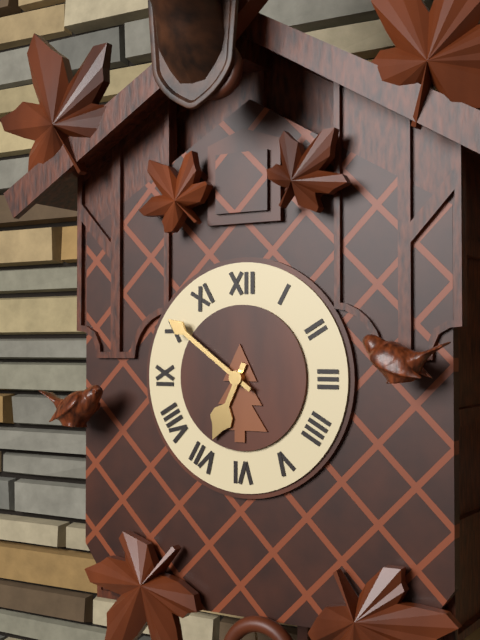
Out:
6.51
